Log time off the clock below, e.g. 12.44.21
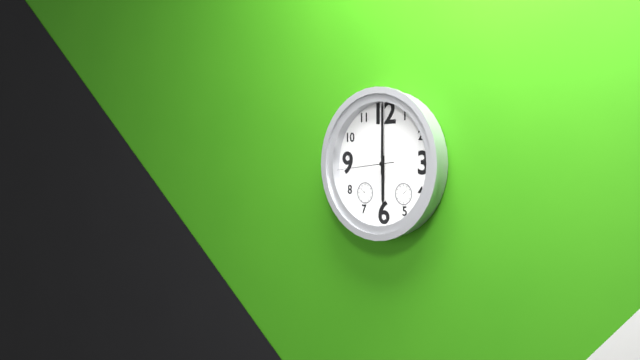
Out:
6.00.44
